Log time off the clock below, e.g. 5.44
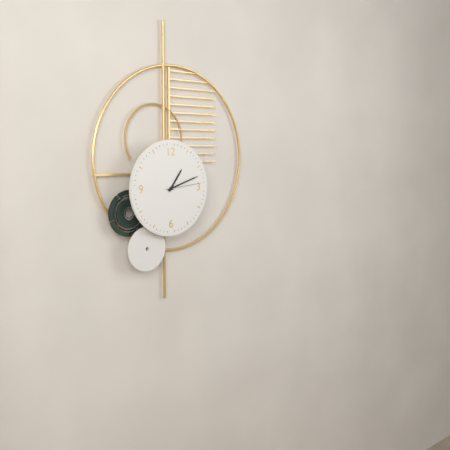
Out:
1.12
